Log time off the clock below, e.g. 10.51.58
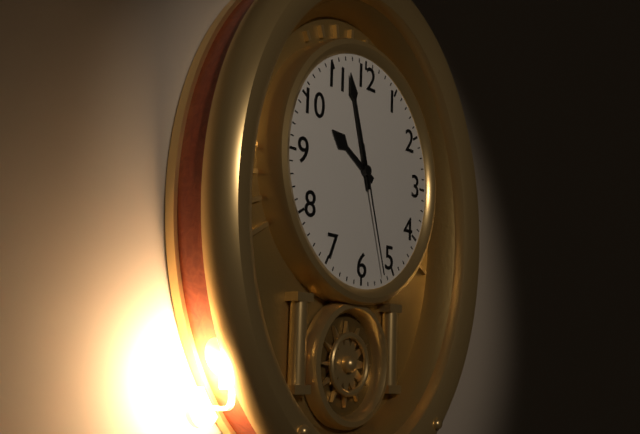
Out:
9.57.27
